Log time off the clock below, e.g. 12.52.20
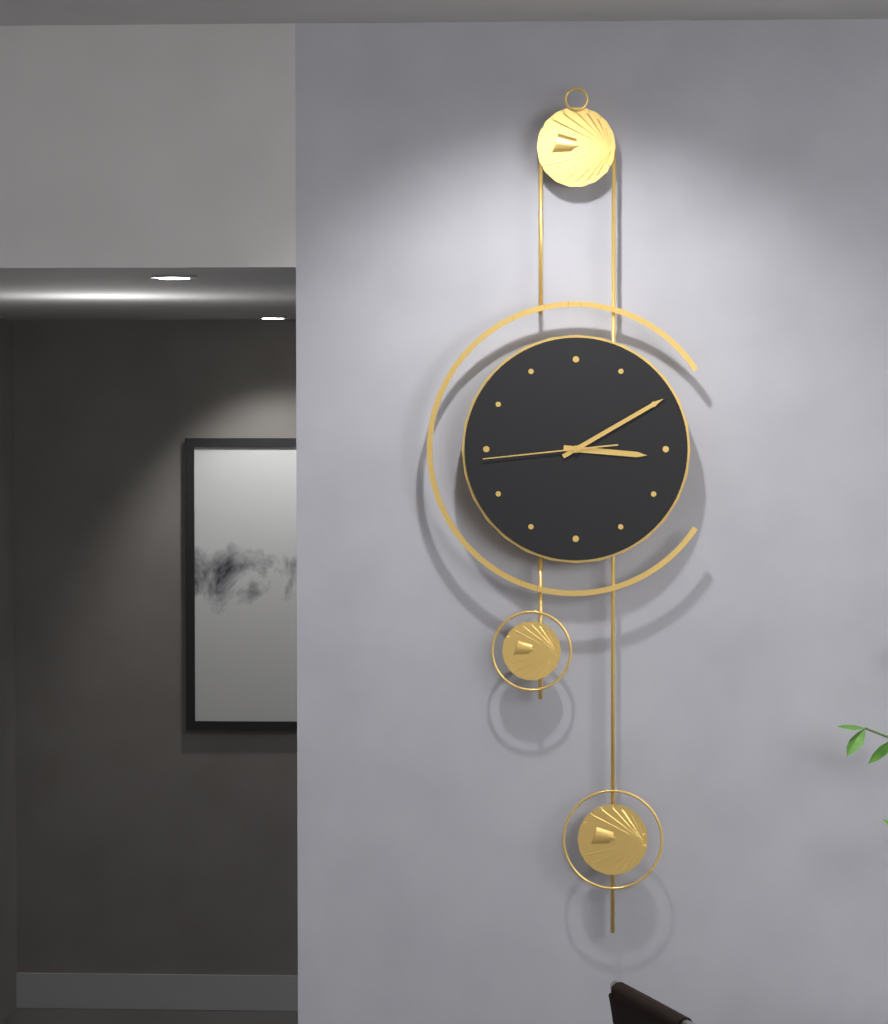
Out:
3.10.44
